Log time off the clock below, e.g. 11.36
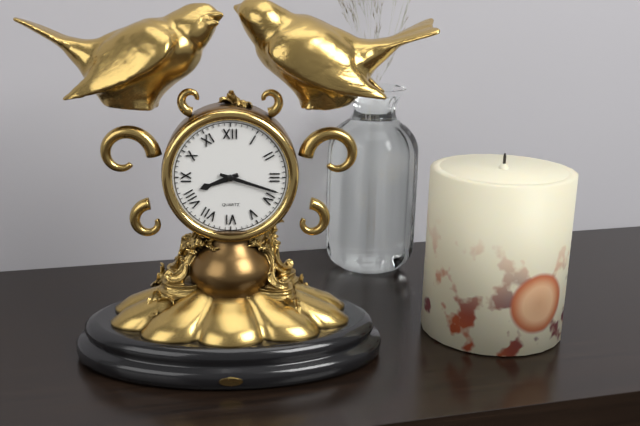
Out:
8.18
